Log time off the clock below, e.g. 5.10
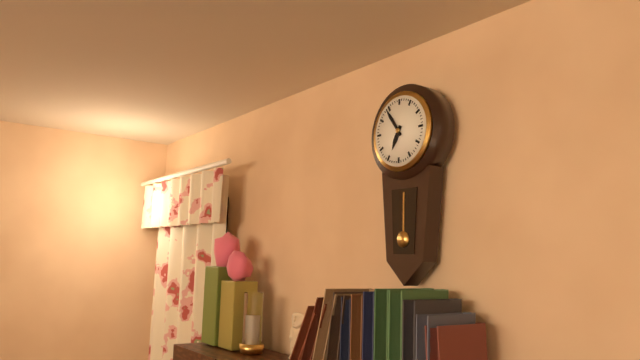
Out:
6.54
